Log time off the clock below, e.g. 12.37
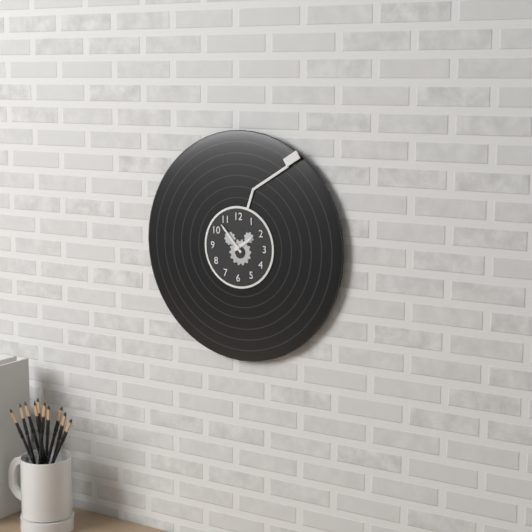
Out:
1.53
